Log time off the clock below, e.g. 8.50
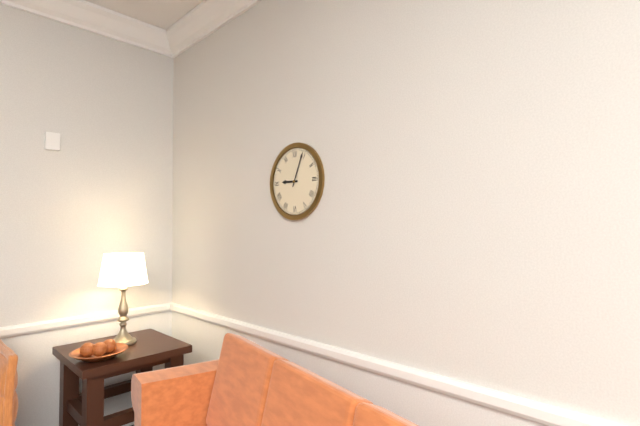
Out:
9.04
